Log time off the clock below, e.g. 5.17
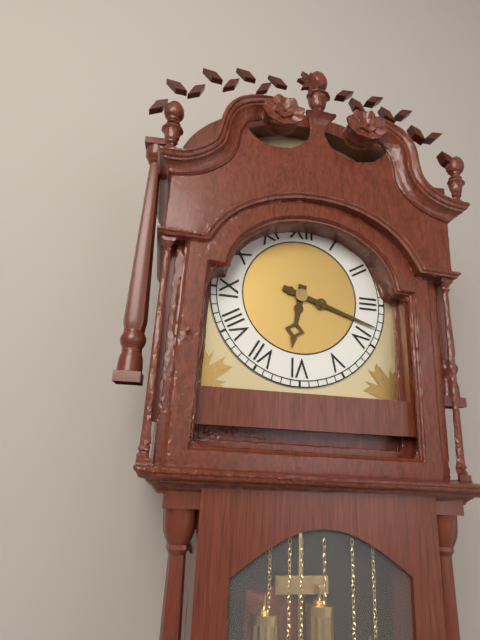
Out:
6.18
